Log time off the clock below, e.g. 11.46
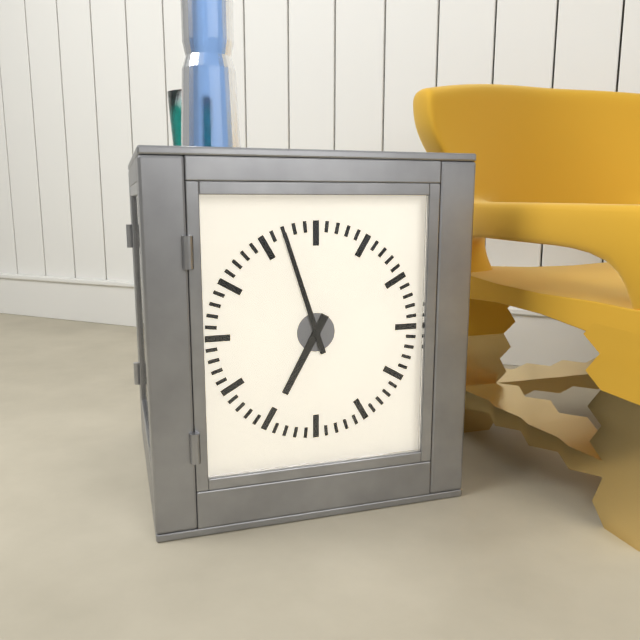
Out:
6.57
